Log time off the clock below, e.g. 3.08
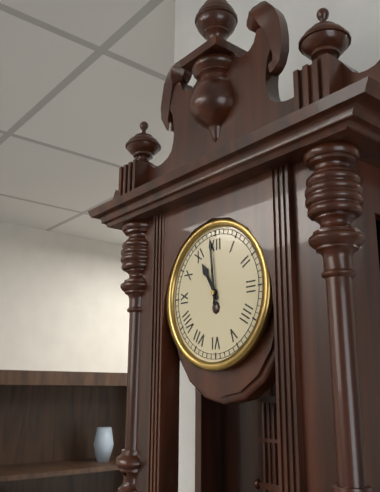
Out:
10.59
